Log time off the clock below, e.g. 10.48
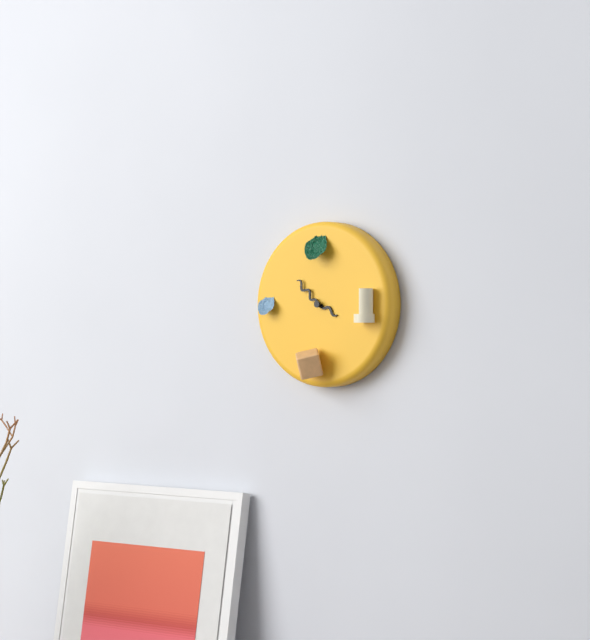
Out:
3.52
